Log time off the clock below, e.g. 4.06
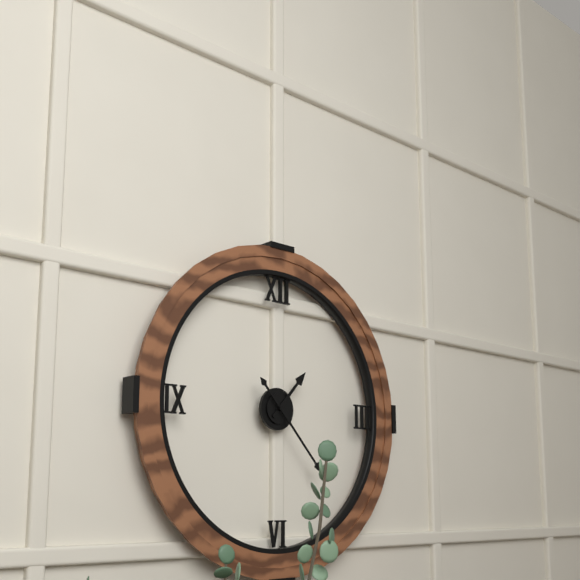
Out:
1.23
